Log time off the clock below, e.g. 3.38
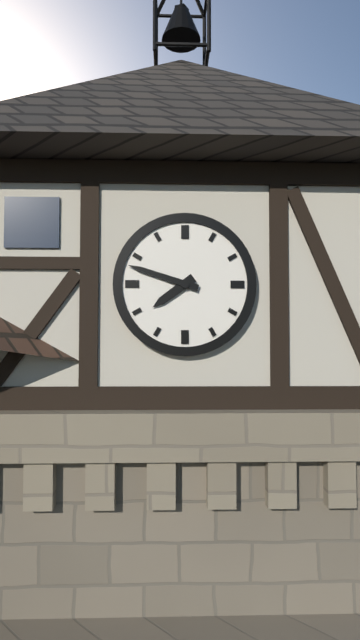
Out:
7.48
